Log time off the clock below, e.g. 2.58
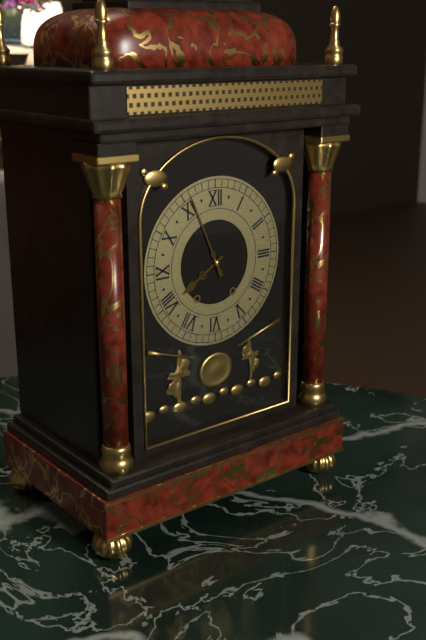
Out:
7.56
